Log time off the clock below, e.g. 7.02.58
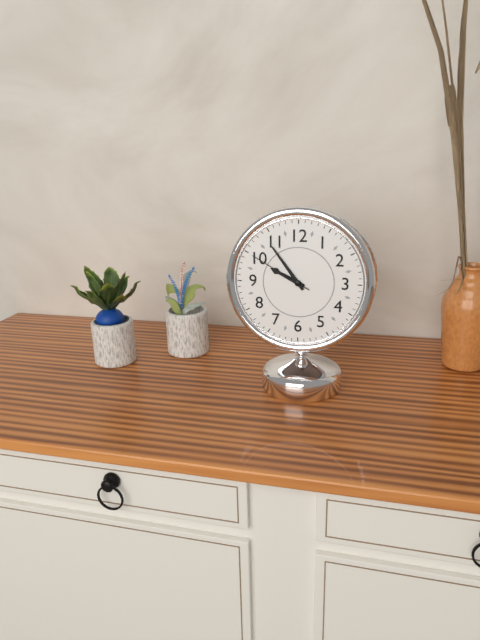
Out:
9.54.50
